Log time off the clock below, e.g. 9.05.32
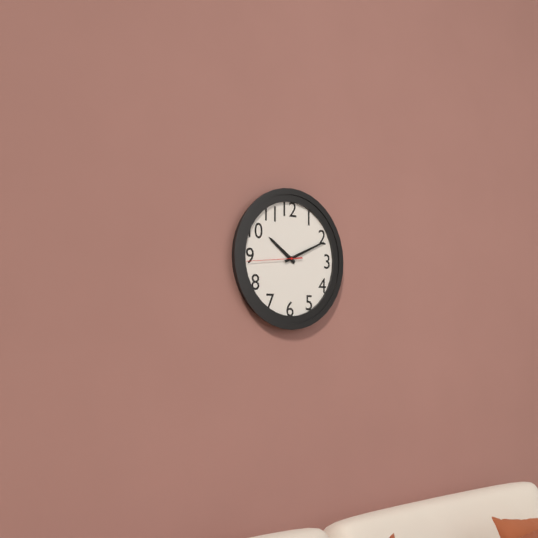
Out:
10.11.44
